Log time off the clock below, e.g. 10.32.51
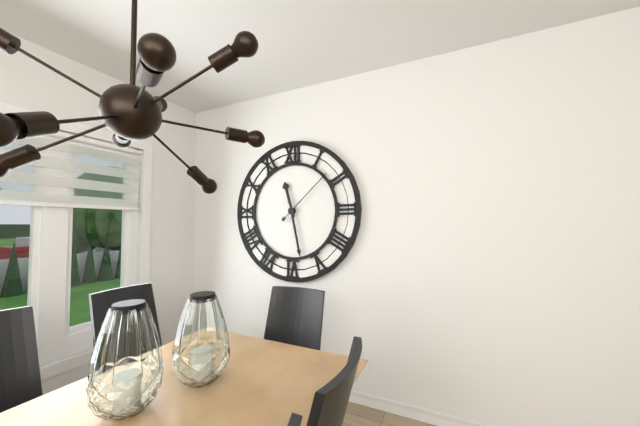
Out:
11.28.08
